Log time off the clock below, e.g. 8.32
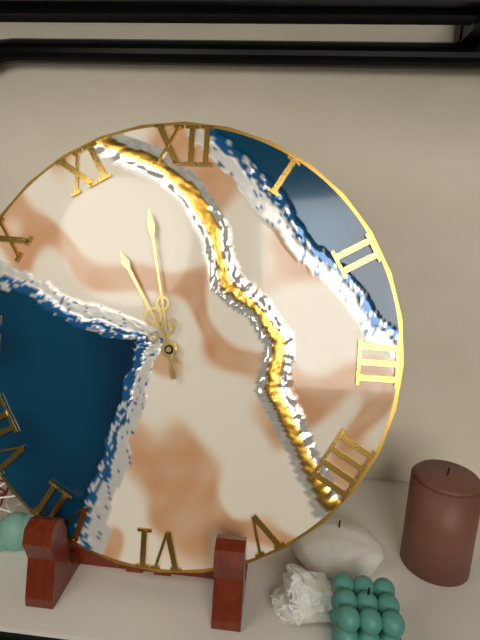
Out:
10.58
